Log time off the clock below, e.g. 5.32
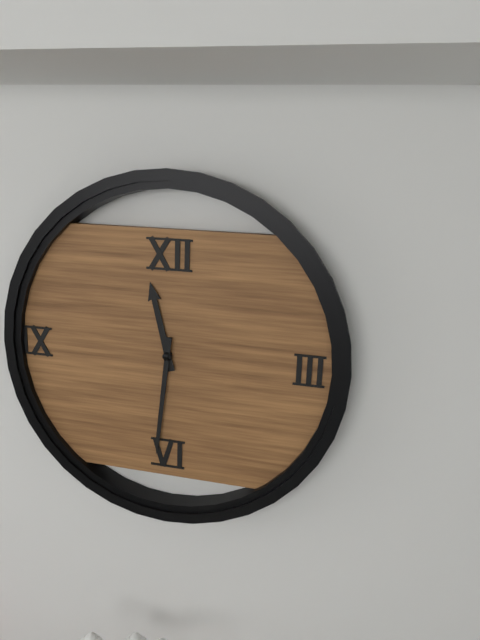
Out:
11.31
